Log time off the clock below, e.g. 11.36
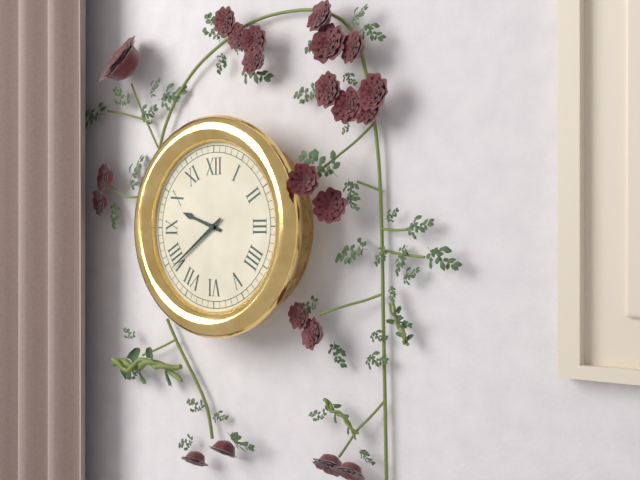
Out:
9.39
